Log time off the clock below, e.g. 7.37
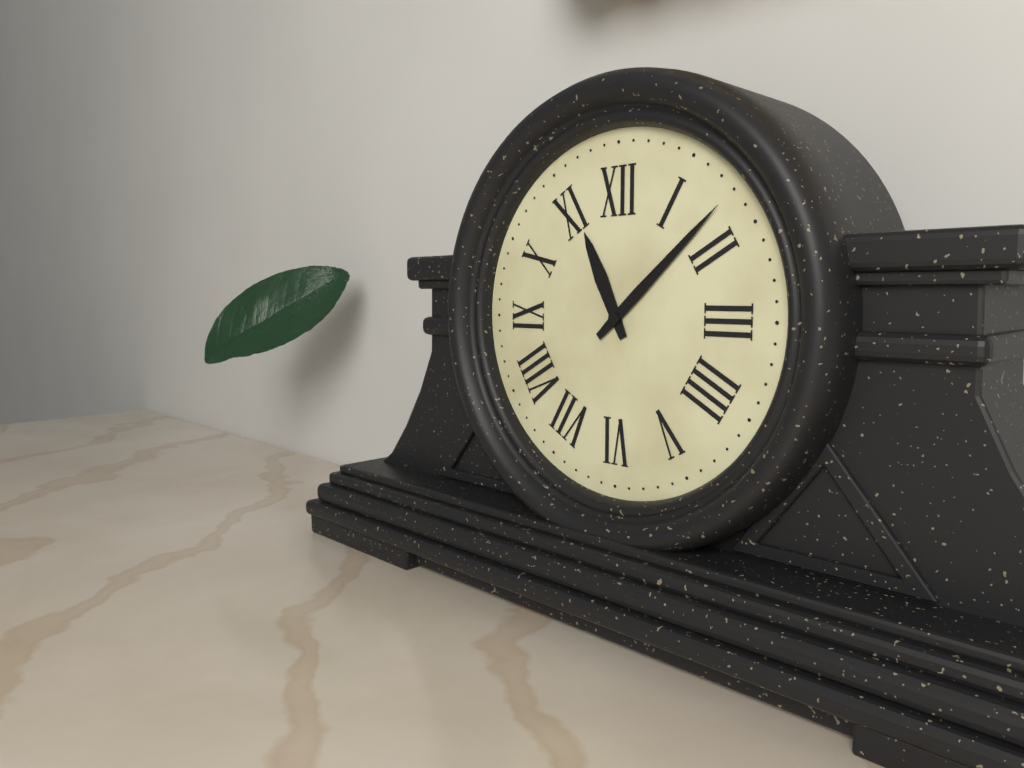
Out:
11.08
